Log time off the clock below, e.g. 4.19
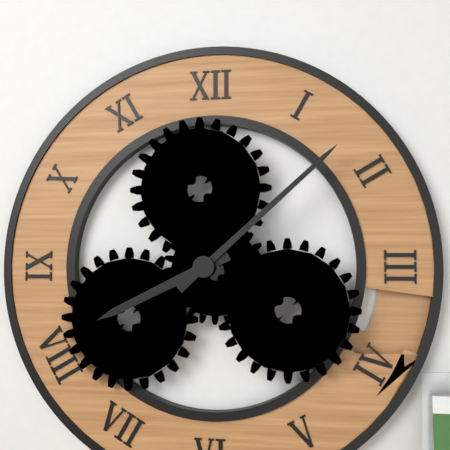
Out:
8.08
